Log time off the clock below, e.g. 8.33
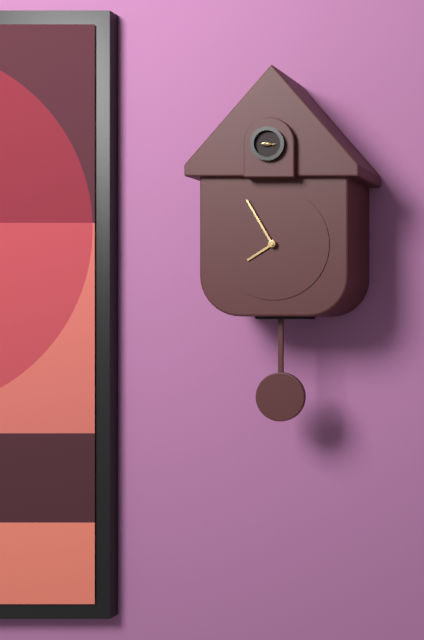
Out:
7.55
